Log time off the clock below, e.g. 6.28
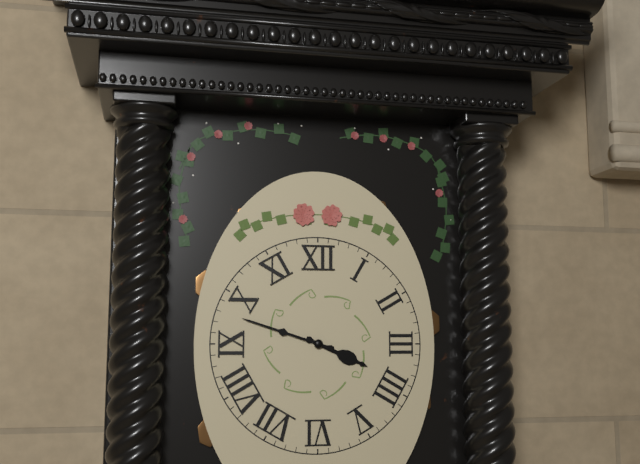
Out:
3.48
